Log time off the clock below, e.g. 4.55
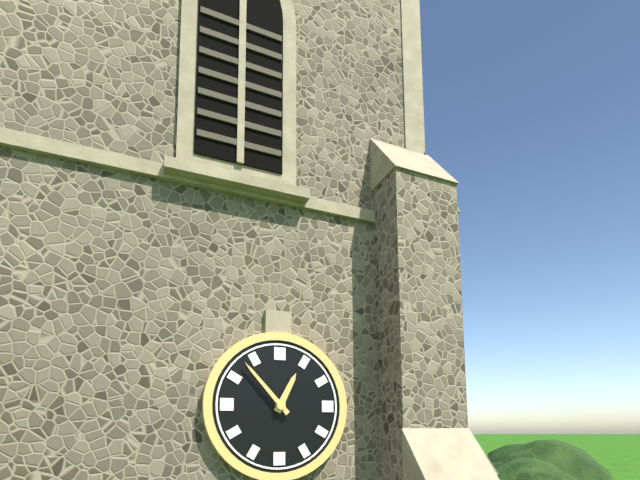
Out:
12.53
